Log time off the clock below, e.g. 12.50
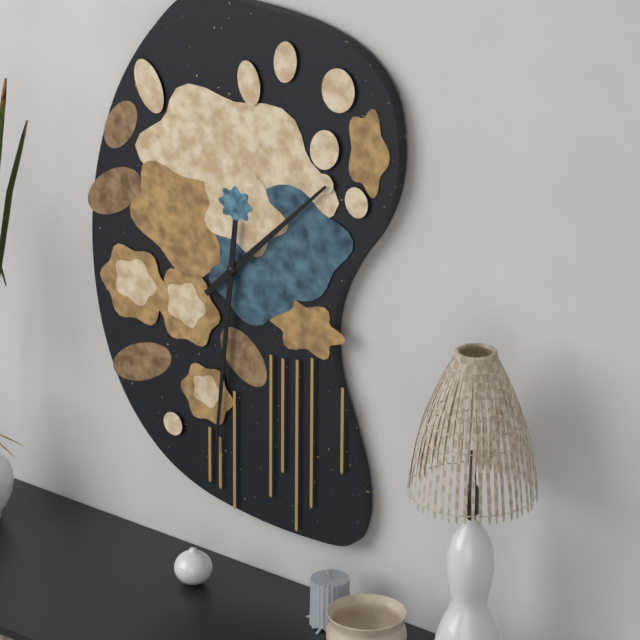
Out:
1.31
